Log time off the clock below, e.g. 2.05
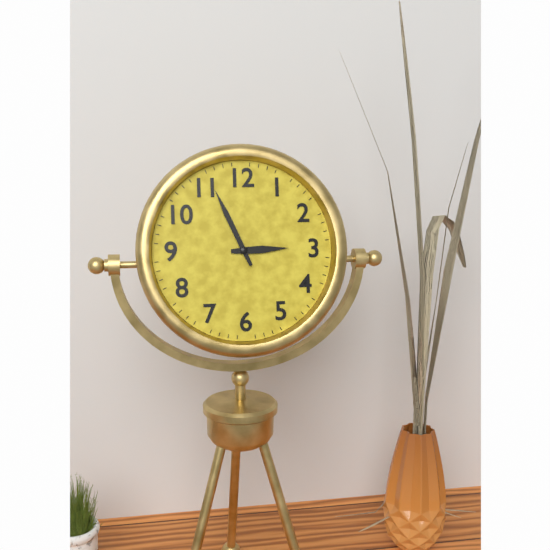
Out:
2.56
